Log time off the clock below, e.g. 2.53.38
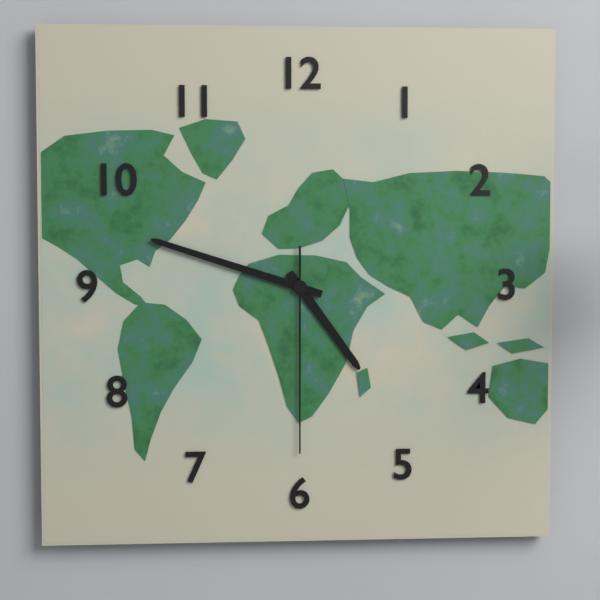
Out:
4.48.30
